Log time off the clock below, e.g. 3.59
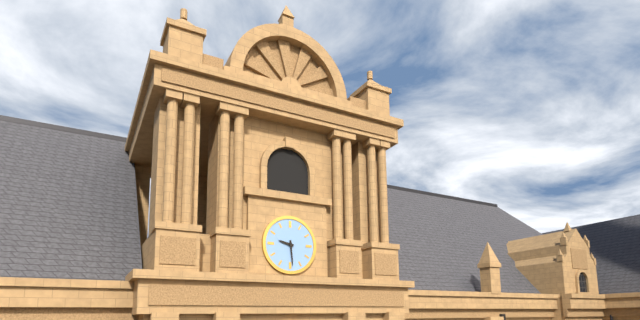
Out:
9.29
